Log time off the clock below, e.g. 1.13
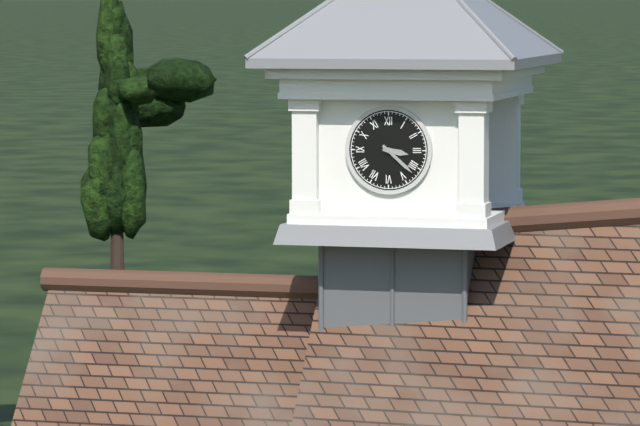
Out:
3.22
